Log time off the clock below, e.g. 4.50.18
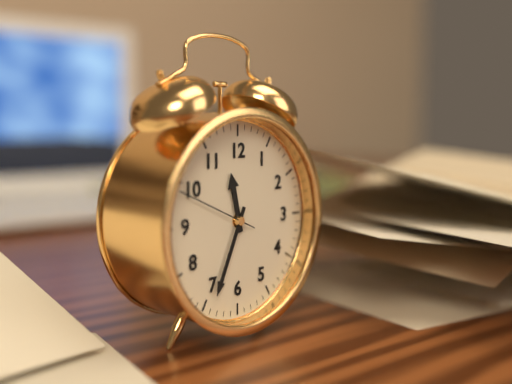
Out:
11.34.49
